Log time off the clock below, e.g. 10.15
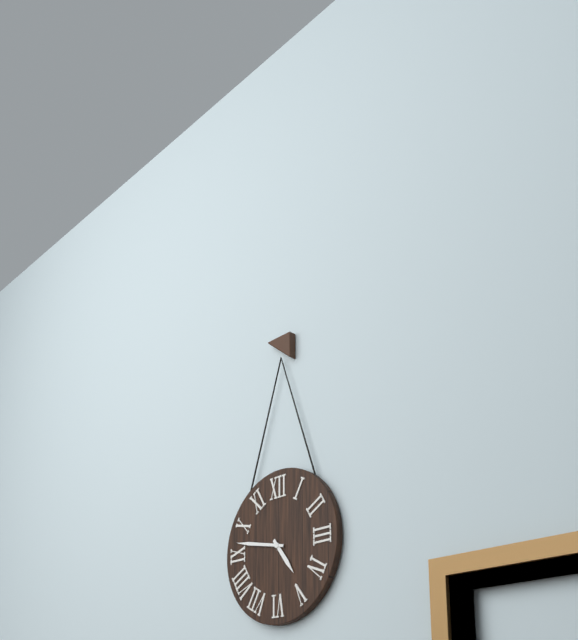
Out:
4.47
